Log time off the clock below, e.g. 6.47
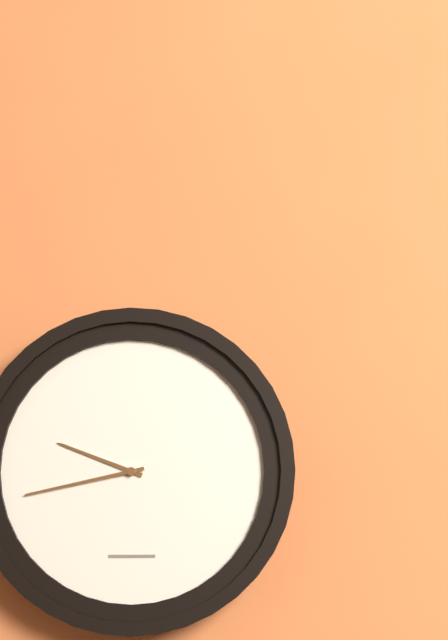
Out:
9.43
